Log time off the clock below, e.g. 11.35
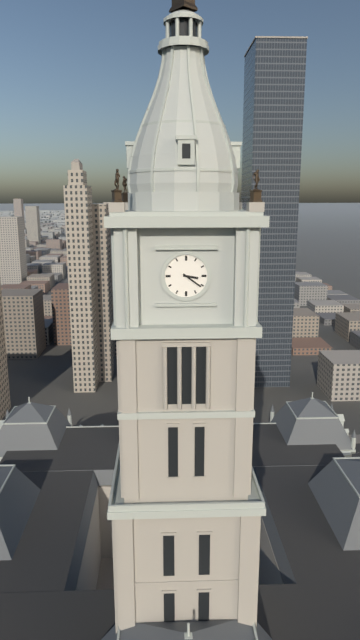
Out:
3.21
